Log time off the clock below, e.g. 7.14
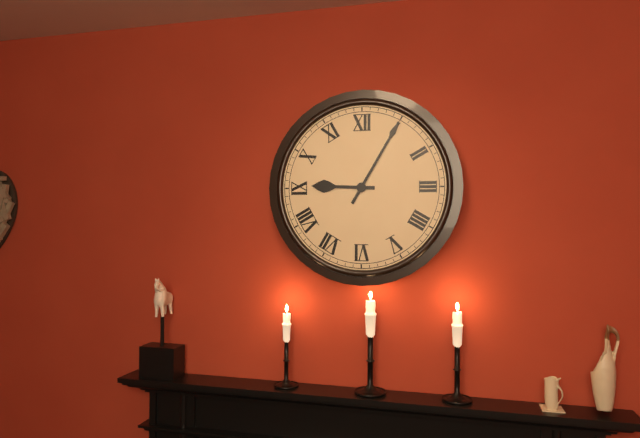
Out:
9.05
